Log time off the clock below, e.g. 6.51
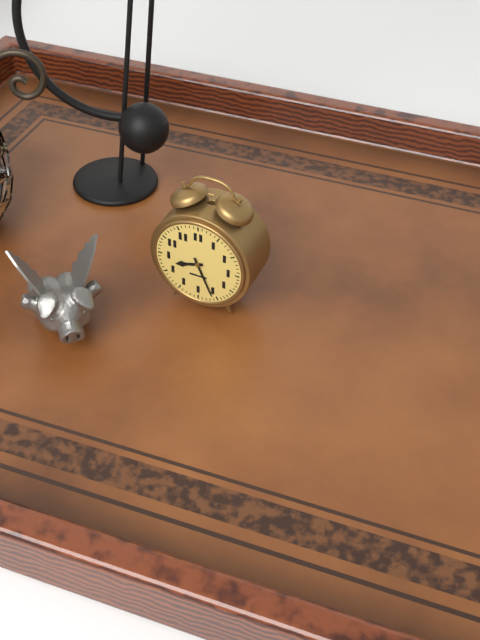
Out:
8.26
